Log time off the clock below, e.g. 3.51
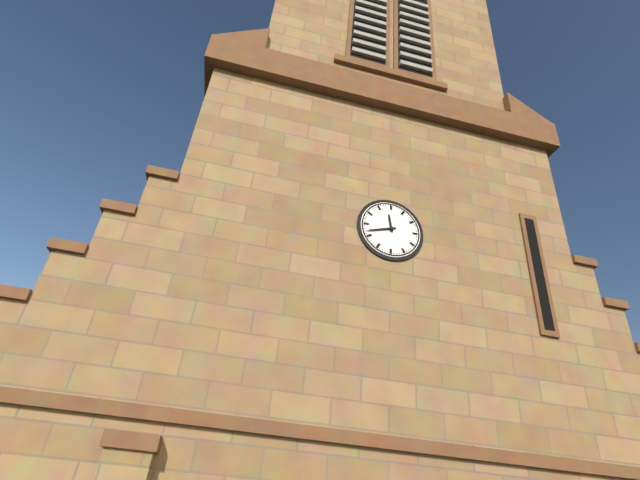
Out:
11.42
